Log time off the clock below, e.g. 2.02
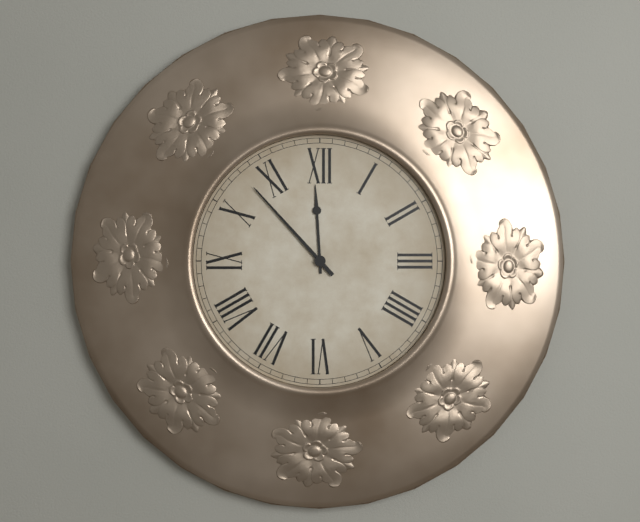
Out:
11.53
